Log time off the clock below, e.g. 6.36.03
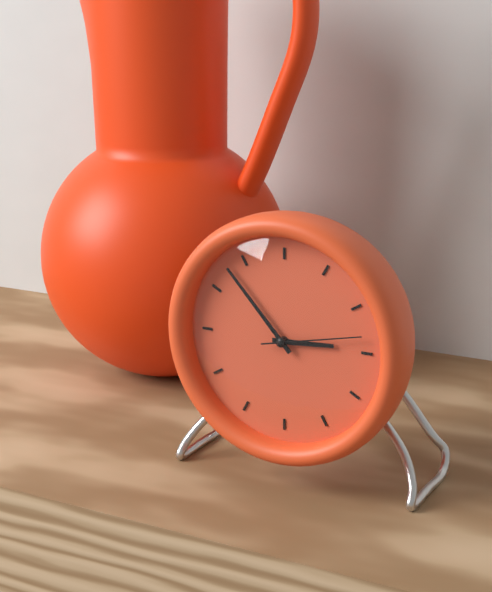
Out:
2.53.13
